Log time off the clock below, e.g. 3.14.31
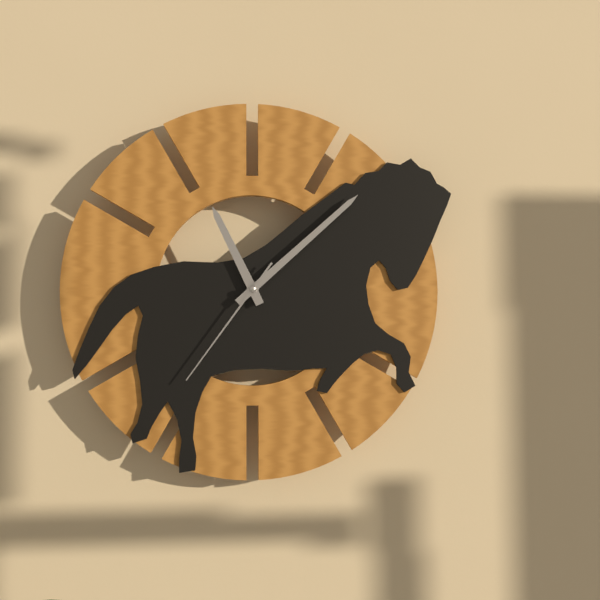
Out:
11.08.36
